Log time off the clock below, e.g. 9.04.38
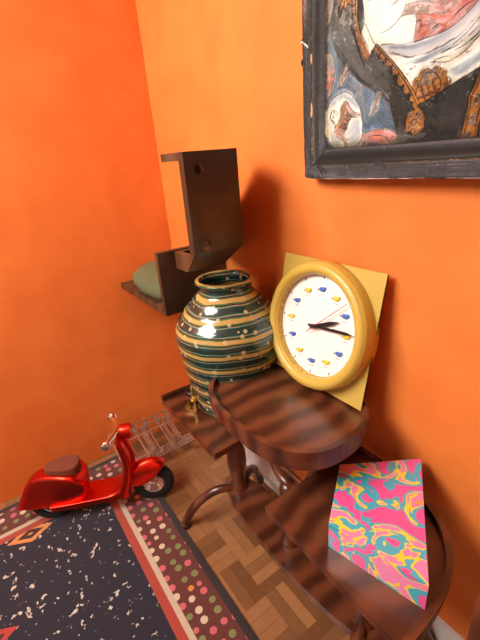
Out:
2.14.08
